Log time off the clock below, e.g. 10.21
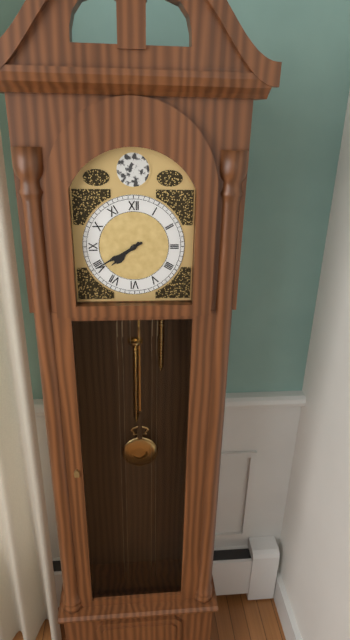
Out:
7.40
